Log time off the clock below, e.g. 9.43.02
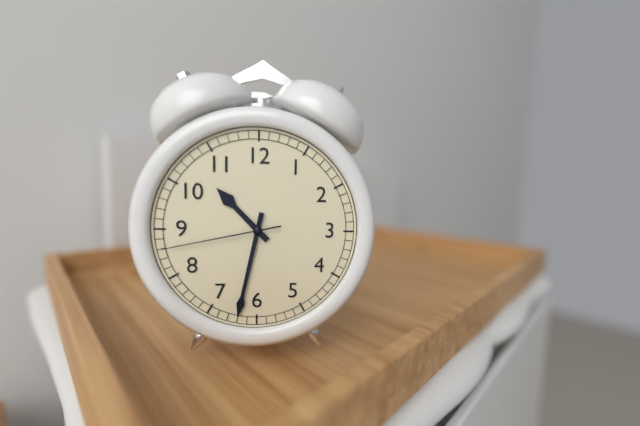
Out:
10.32.43
